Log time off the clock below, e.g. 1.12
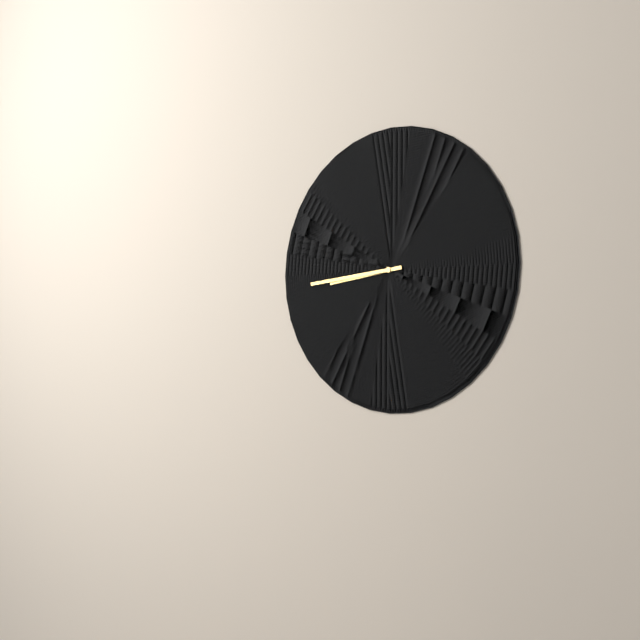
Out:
8.44
